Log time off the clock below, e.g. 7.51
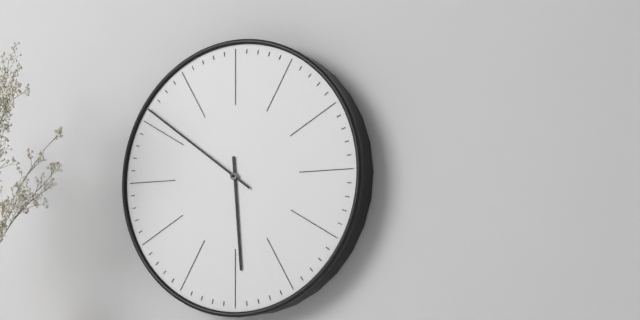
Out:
5.51
